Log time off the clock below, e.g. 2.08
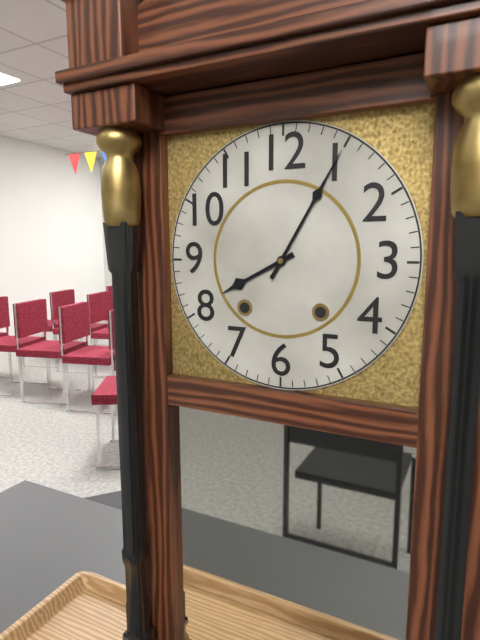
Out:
8.05
